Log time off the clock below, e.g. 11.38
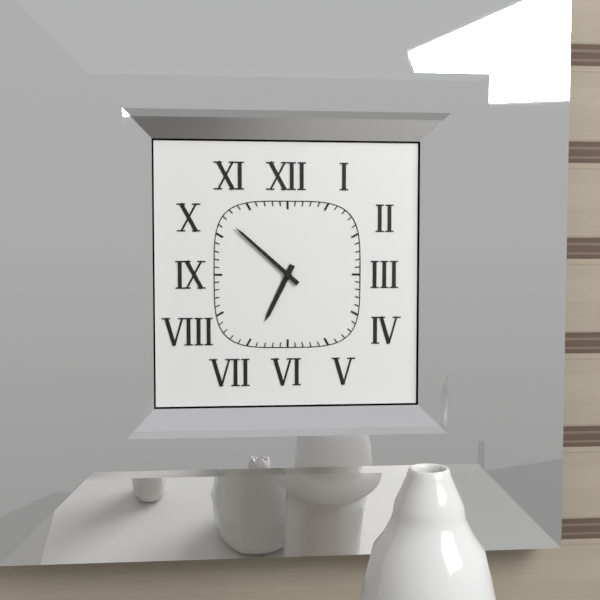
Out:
6.52
